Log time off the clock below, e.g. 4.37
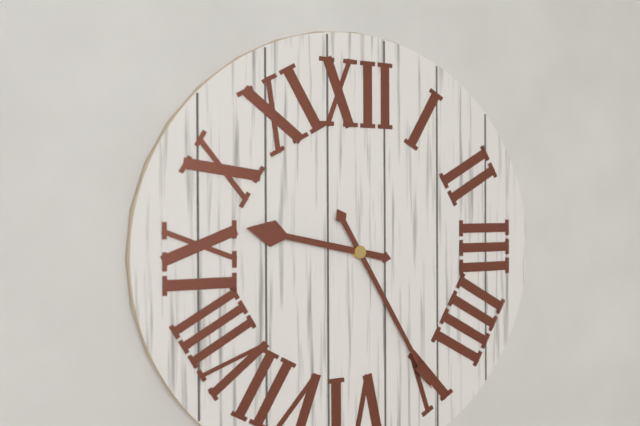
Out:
9.25
